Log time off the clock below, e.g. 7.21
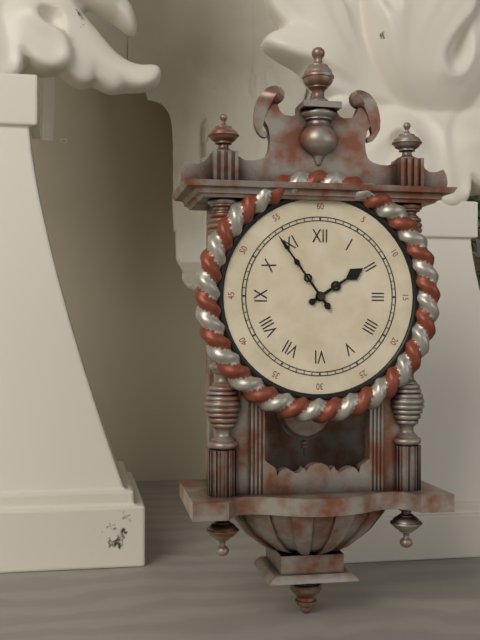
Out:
1.54
